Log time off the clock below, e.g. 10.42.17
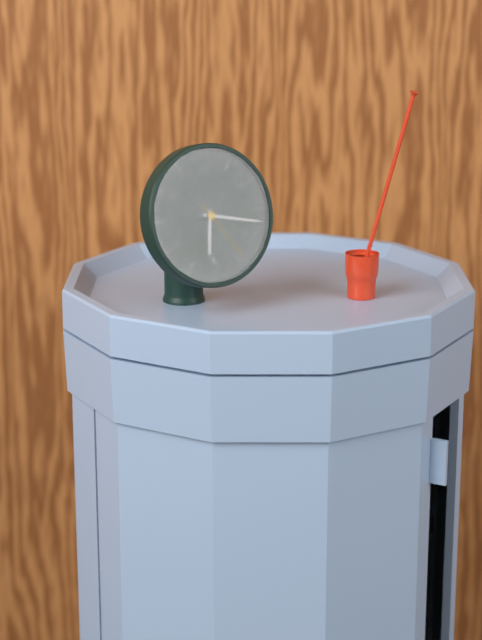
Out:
6.17.24
